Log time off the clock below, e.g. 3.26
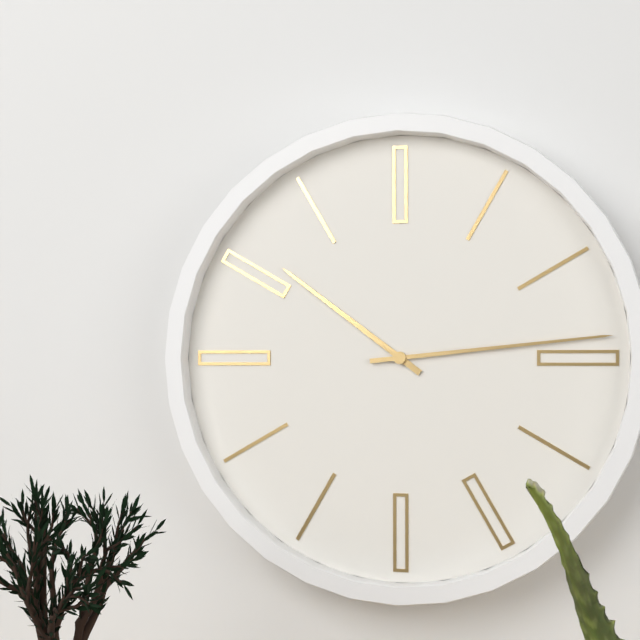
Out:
10.14
